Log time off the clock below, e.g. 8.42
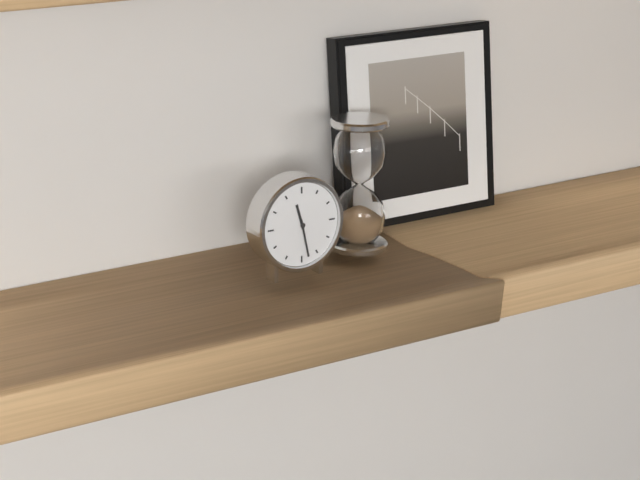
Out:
11.28
